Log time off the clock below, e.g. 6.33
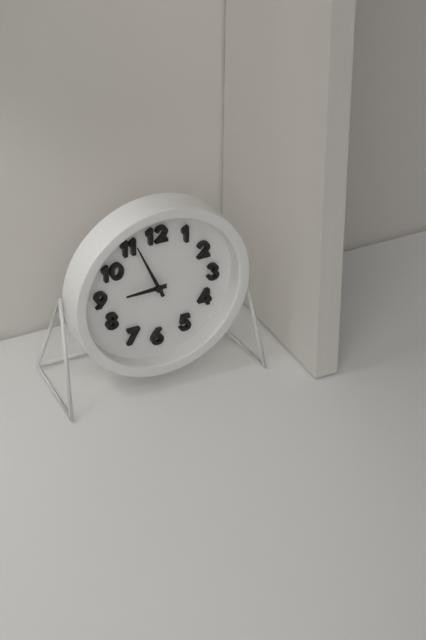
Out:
8.56
